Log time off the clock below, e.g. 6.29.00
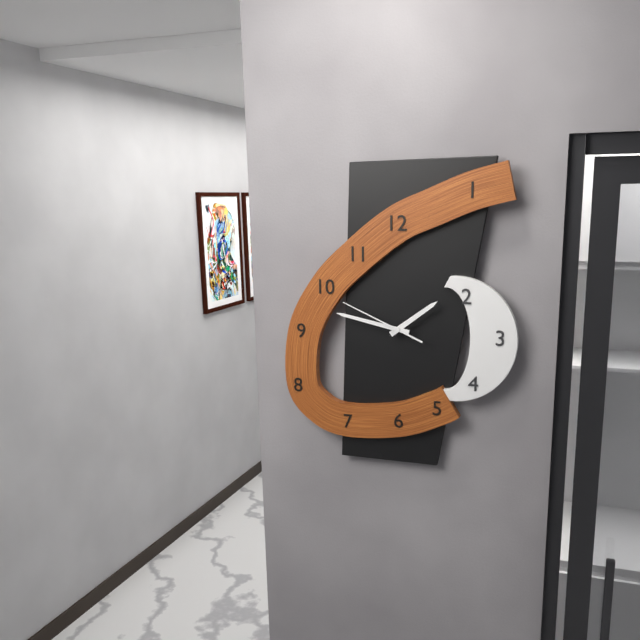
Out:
1.47.49
